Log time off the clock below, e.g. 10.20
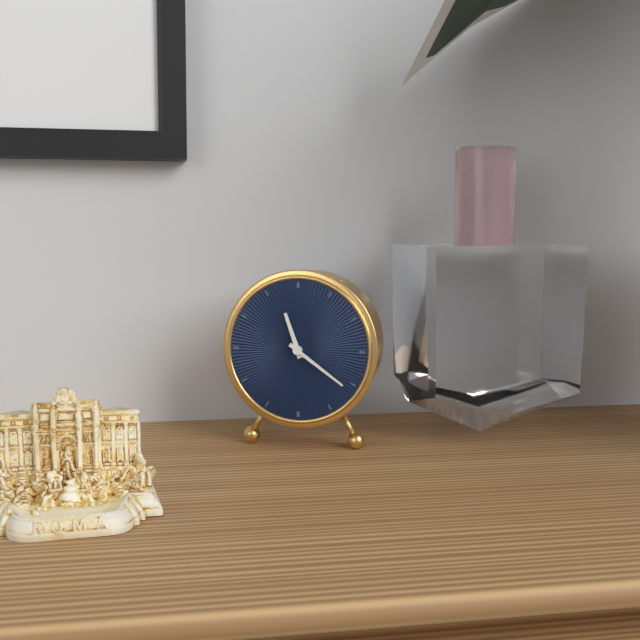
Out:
11.21
